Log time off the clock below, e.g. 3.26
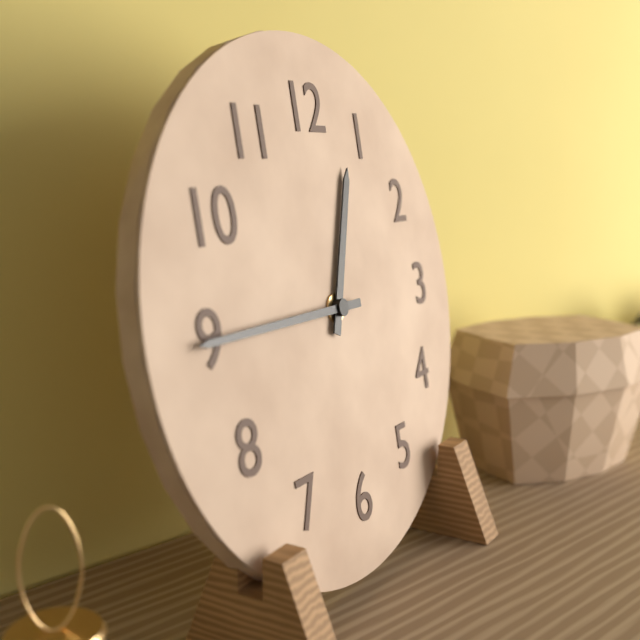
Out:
12.45
